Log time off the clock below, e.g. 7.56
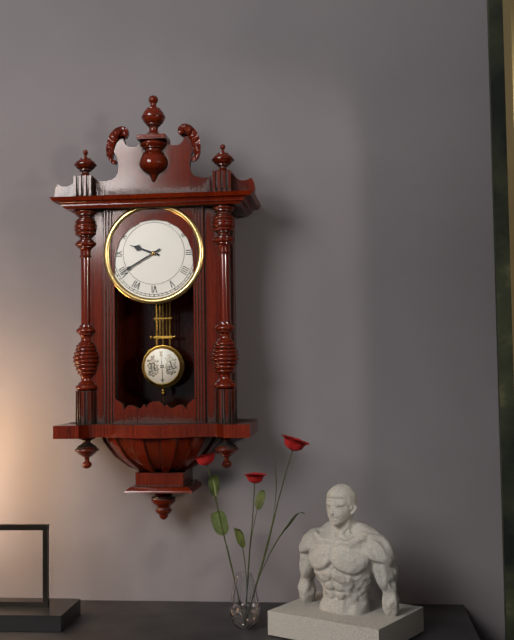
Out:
9.40
